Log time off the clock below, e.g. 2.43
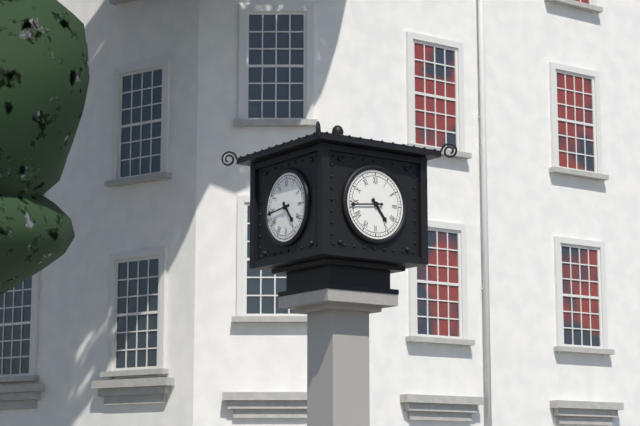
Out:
4.44
